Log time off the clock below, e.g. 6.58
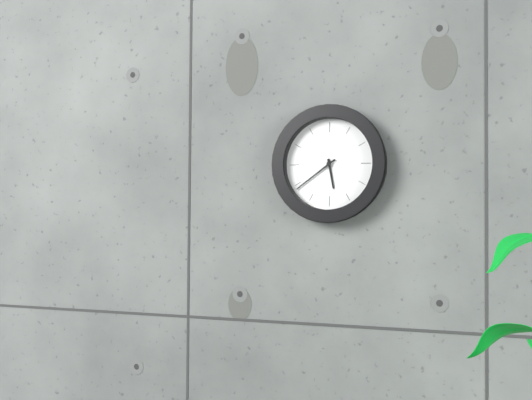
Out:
5.39
